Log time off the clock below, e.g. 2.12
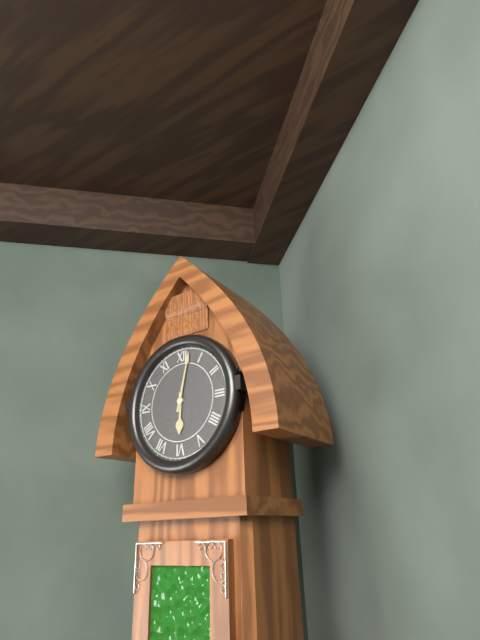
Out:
6.02
